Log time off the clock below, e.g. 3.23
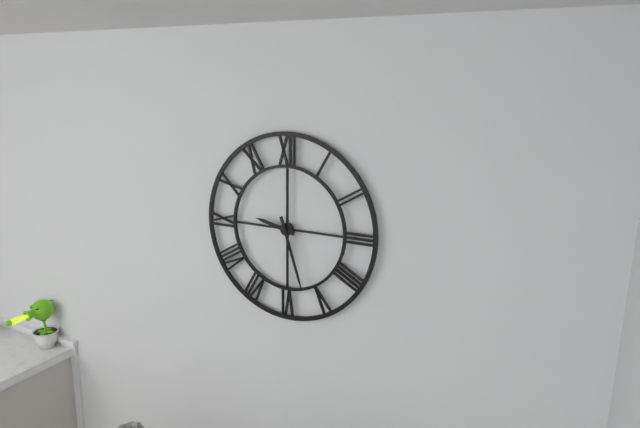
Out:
9.27
